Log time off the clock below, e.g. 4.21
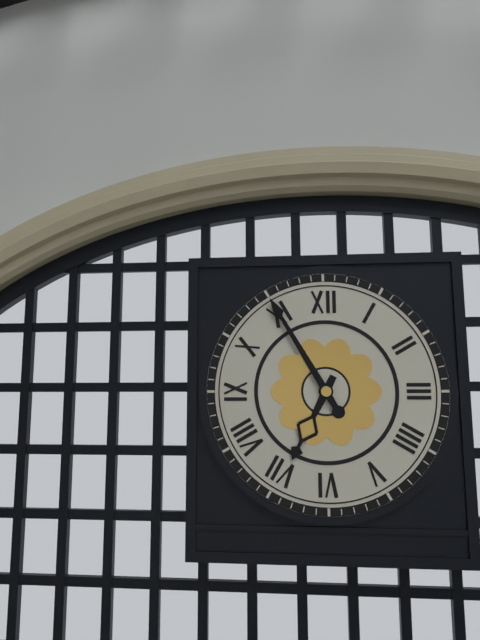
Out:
6.55
